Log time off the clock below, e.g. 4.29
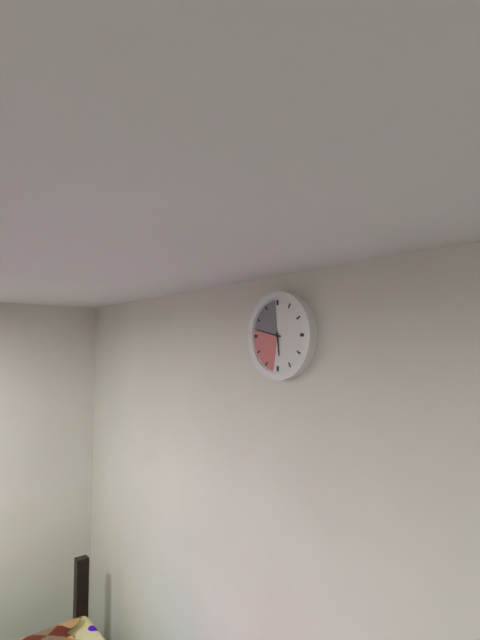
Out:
5.47
